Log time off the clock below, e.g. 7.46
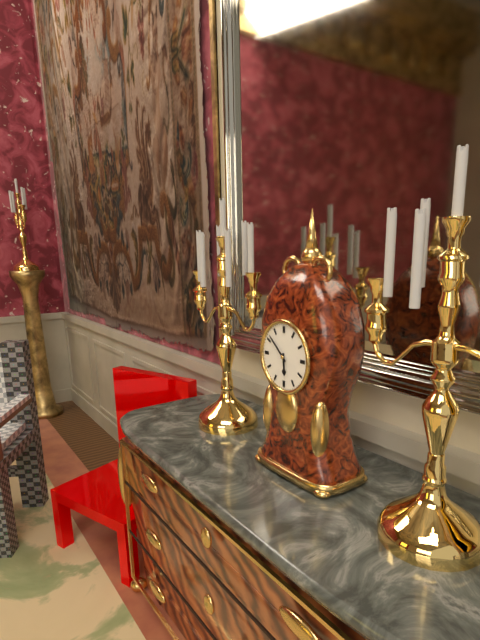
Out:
5.52
